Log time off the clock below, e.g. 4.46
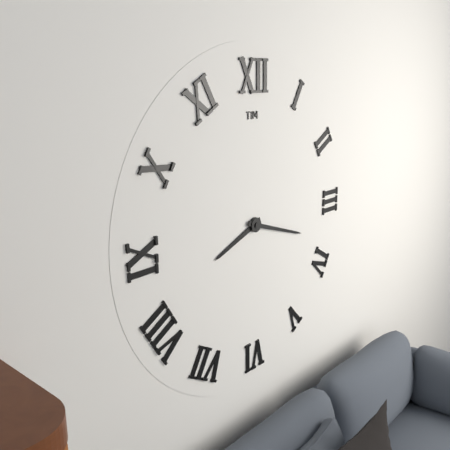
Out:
8.18
